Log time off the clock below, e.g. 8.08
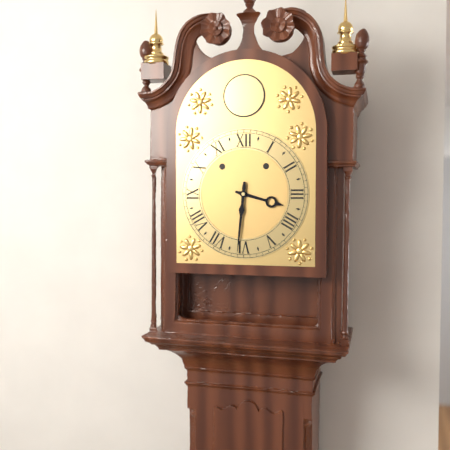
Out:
3.31
